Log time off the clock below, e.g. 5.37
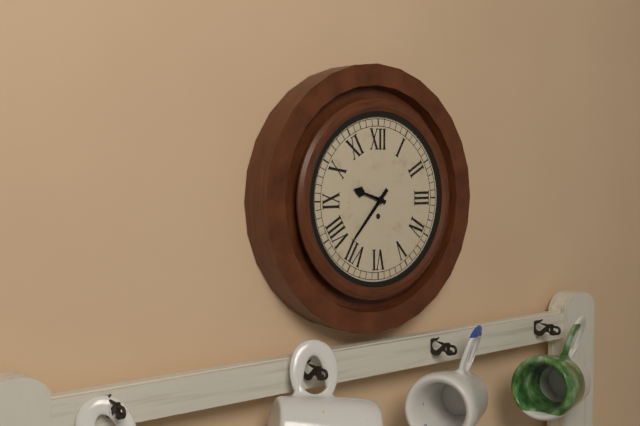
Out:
9.37
